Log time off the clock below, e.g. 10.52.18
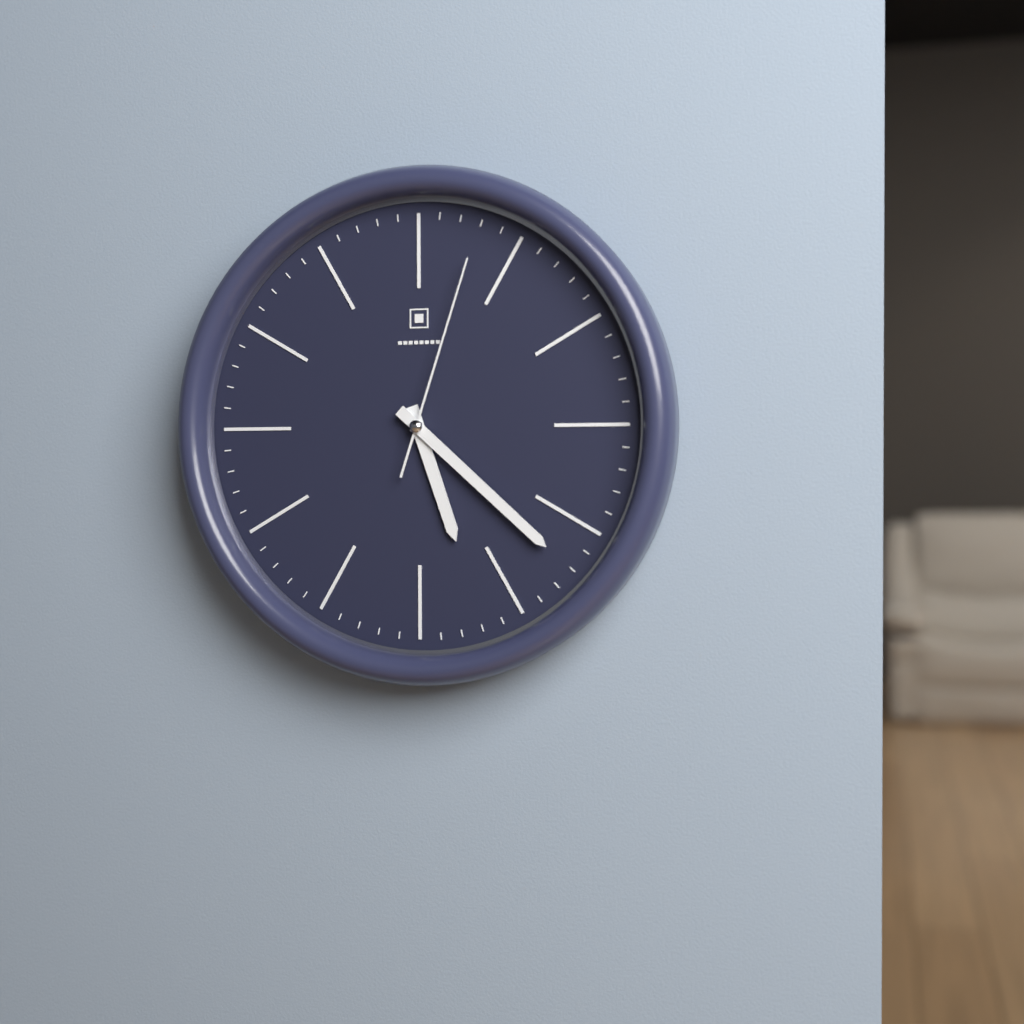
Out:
5.22.03
